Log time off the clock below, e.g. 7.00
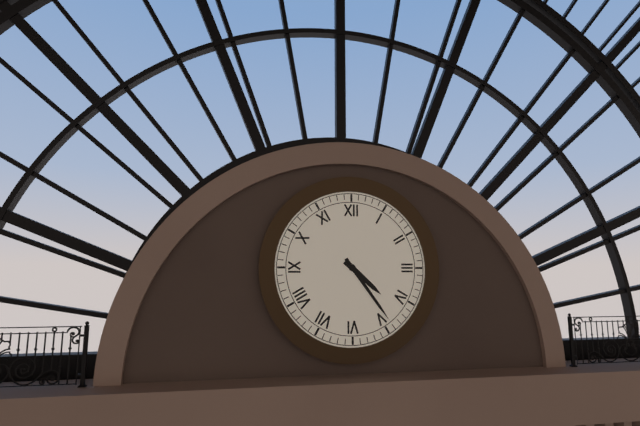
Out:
4.24
